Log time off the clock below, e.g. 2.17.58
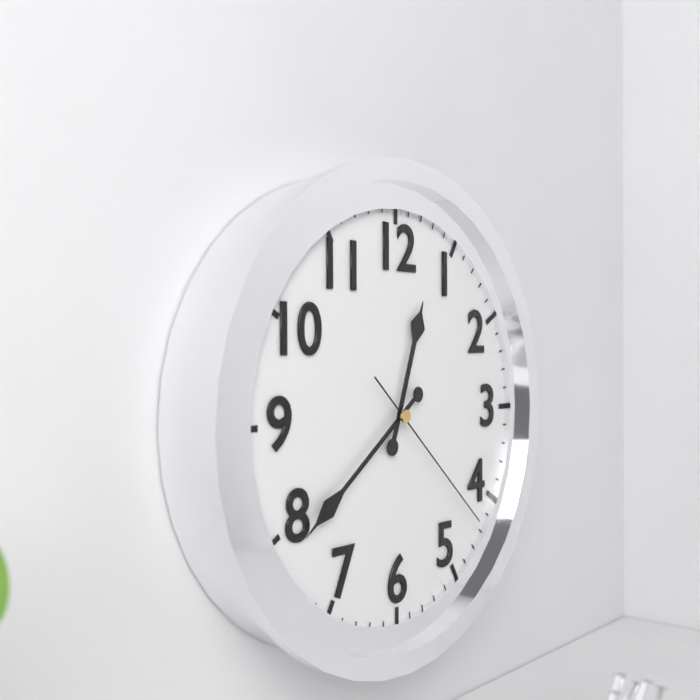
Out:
12.39.22
